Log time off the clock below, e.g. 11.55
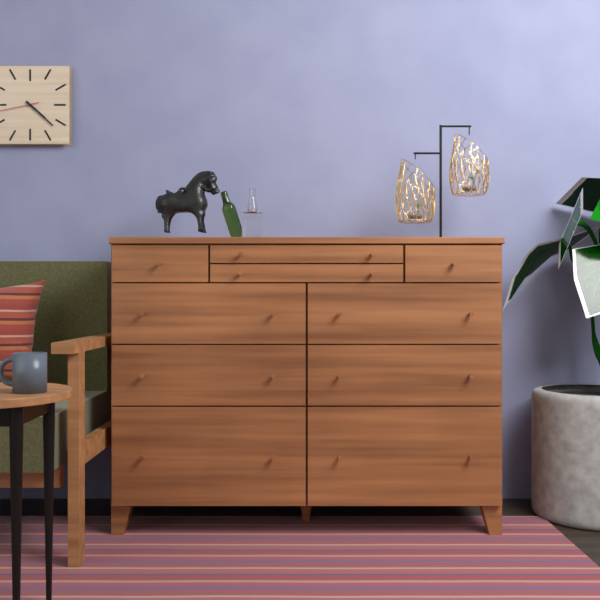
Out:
4.22
